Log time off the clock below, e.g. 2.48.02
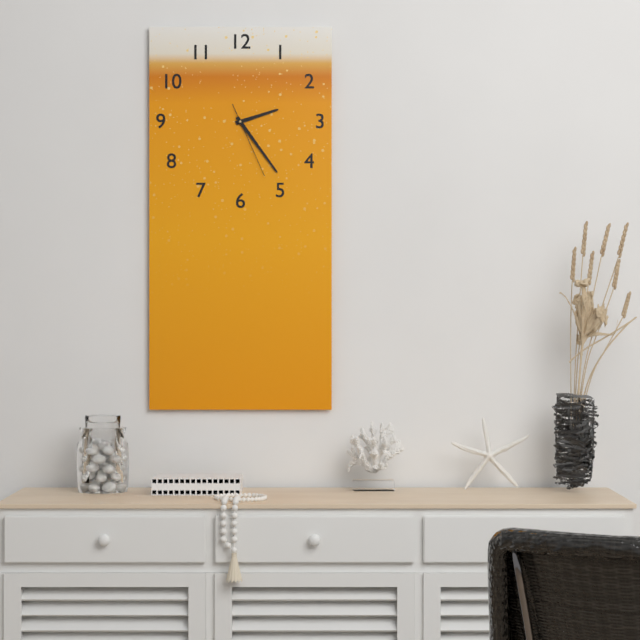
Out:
2.24.26
